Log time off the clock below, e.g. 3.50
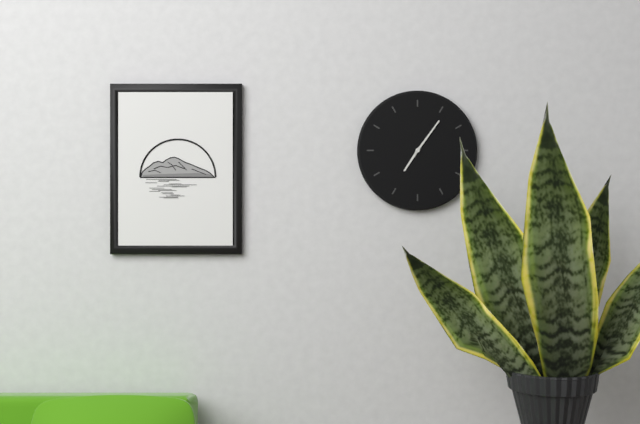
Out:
7.06
